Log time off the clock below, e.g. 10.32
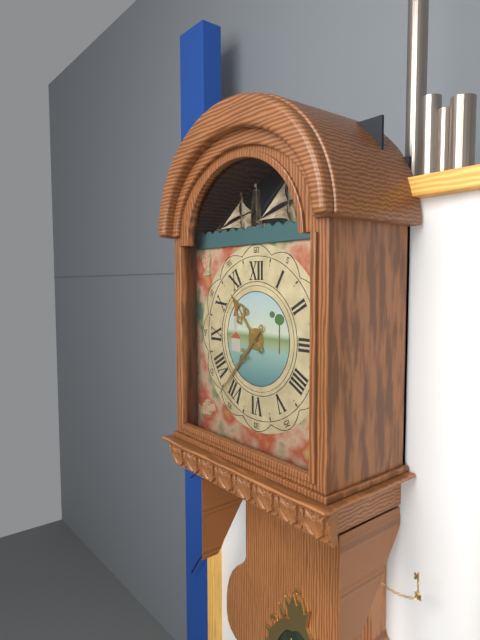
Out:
10.37
